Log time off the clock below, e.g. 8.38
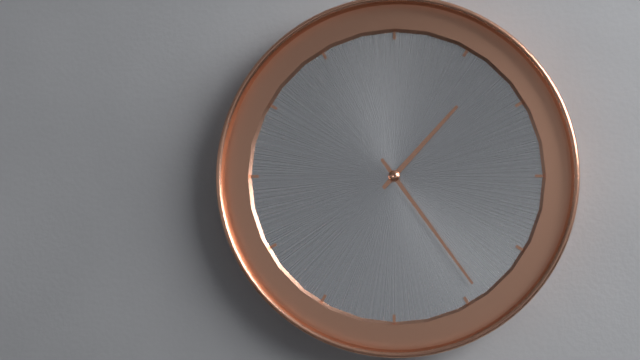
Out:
1.24
